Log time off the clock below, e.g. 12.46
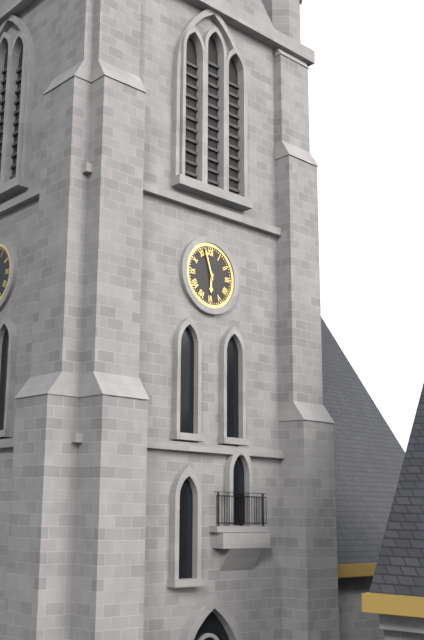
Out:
5.57
